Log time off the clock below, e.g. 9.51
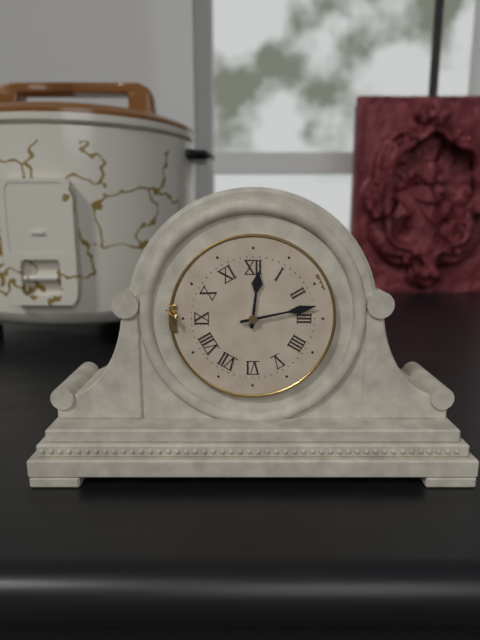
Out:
12.13
